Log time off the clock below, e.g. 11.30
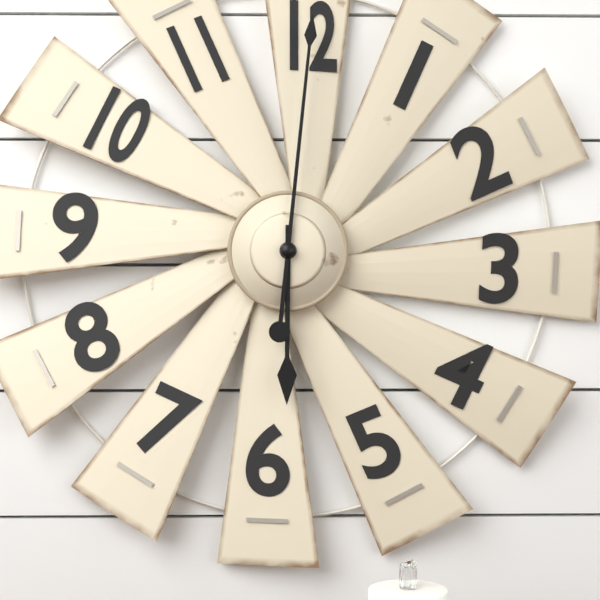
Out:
6.01
